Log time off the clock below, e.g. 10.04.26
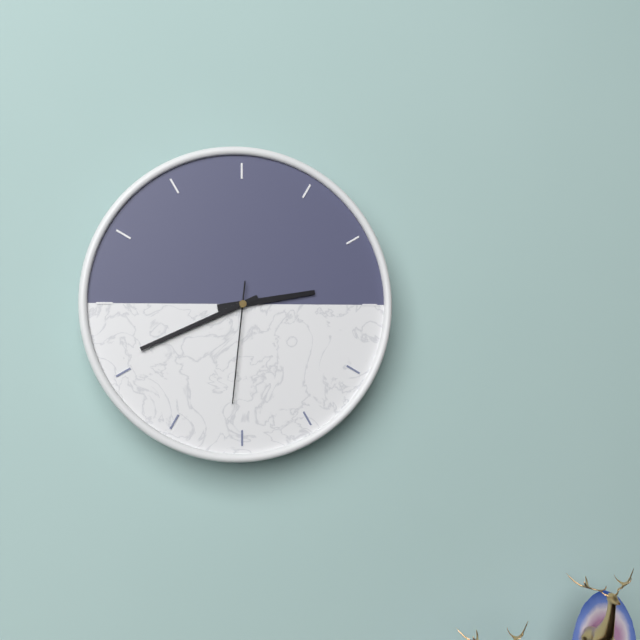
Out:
2.41.31
